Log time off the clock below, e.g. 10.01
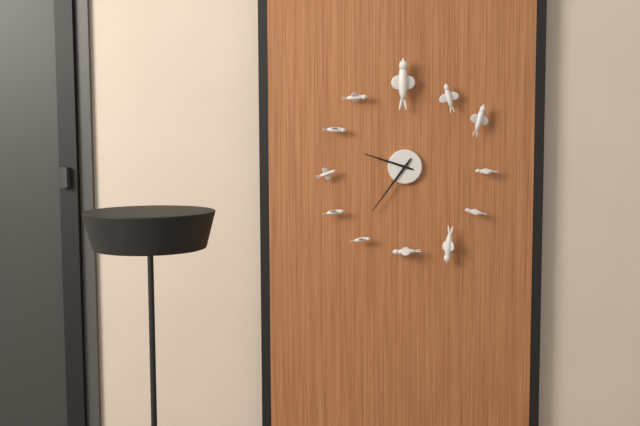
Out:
9.36
